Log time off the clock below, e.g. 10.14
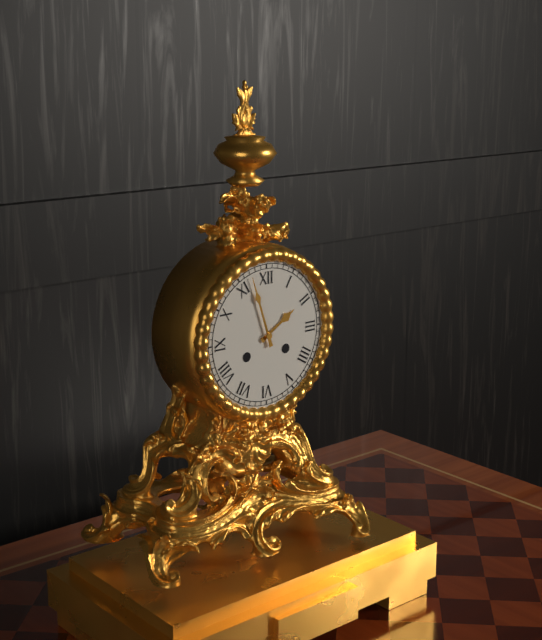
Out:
1.57
